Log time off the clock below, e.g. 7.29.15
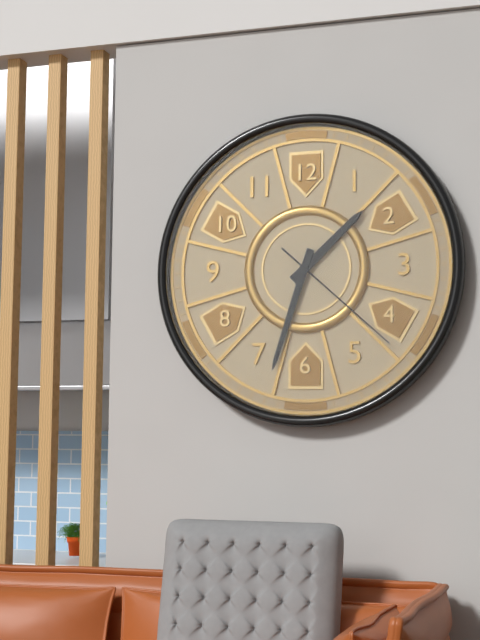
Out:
1.33.22
